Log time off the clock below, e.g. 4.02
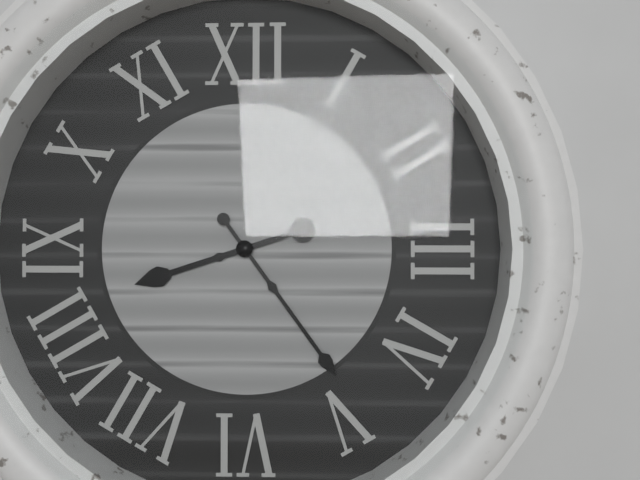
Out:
8.24
